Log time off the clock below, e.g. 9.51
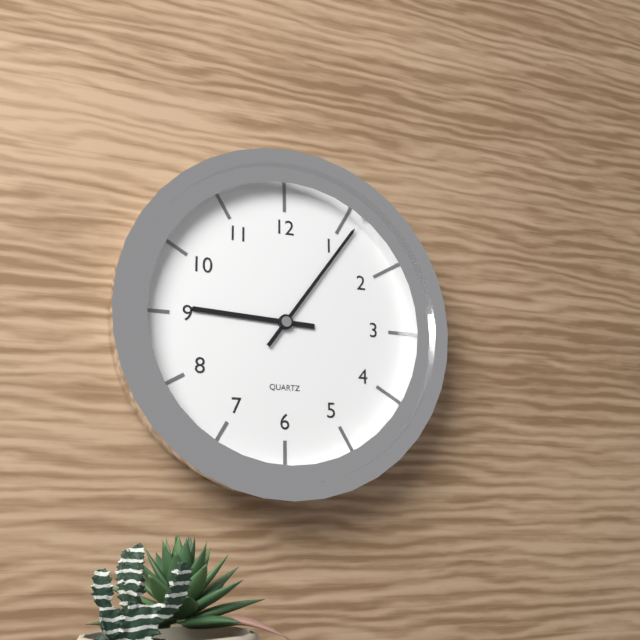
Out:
9.06
